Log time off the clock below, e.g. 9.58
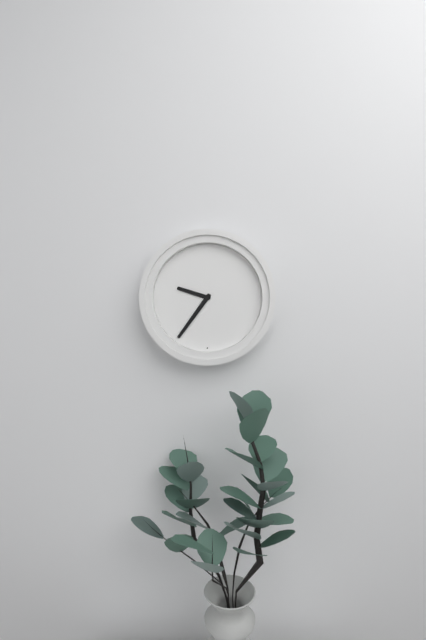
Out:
9.36
